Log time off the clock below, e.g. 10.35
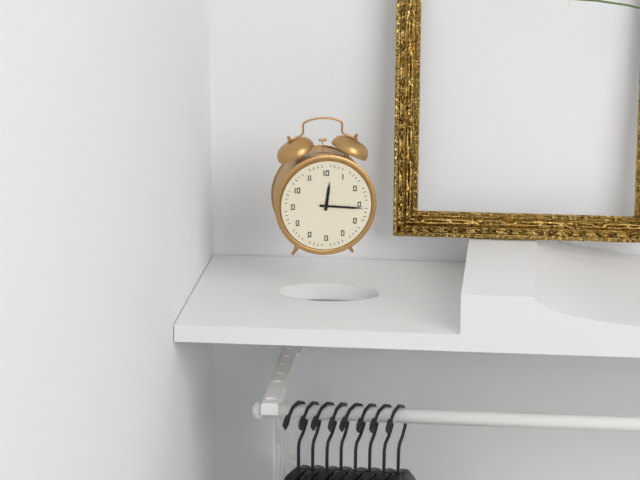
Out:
12.16
